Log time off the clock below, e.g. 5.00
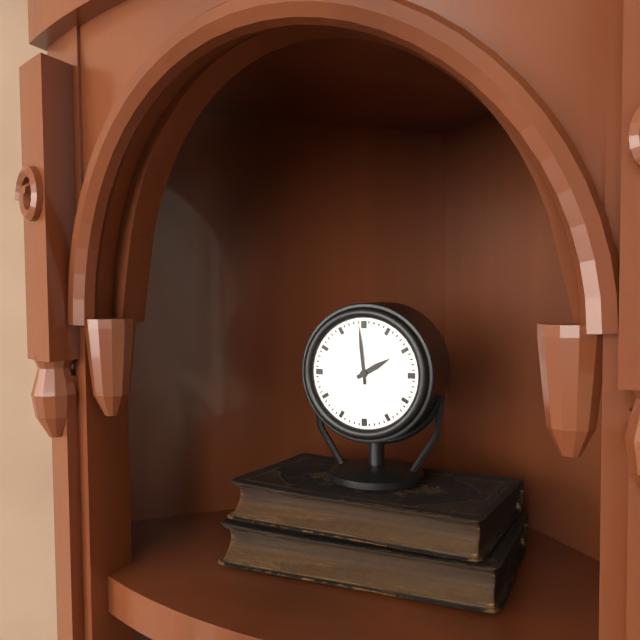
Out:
1.59
